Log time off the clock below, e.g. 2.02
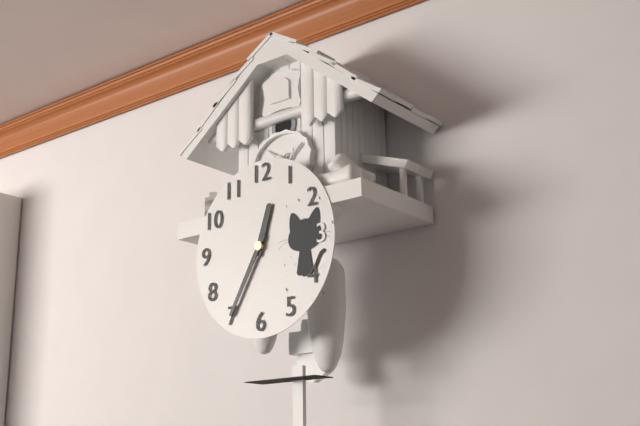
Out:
12.35
